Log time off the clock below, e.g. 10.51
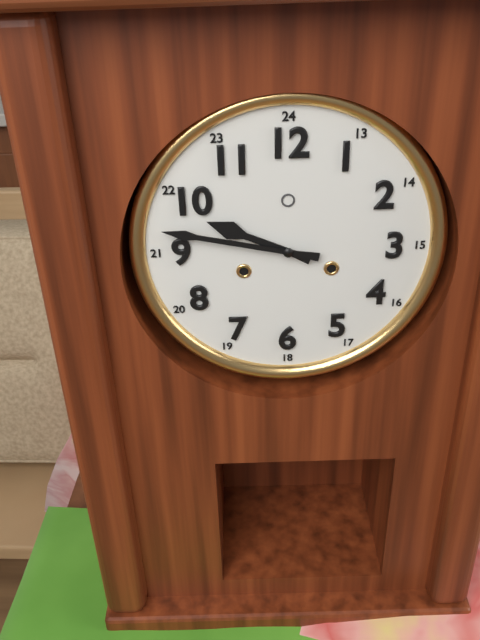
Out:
9.47
